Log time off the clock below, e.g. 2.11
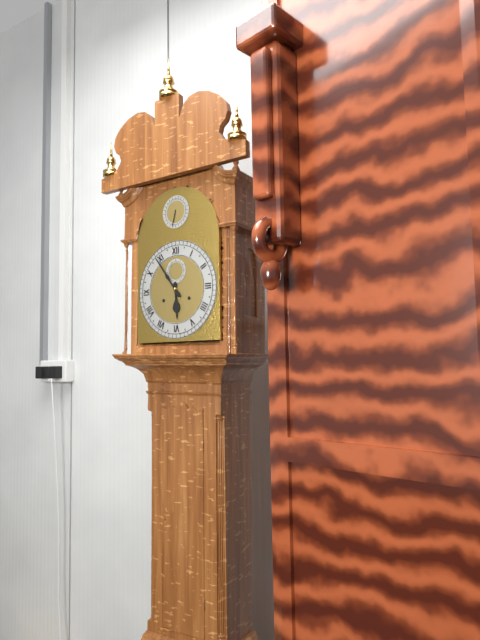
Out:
5.54
